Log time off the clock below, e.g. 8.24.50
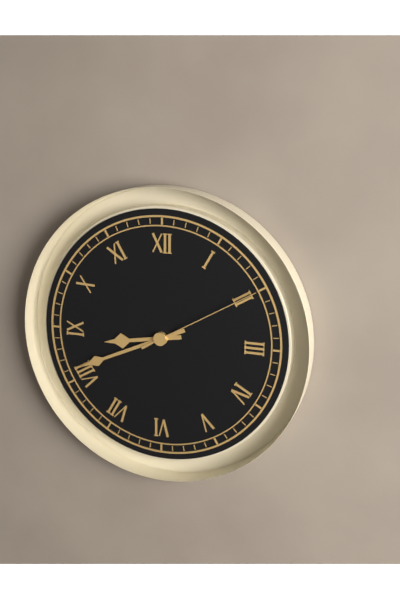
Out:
8.41.10
